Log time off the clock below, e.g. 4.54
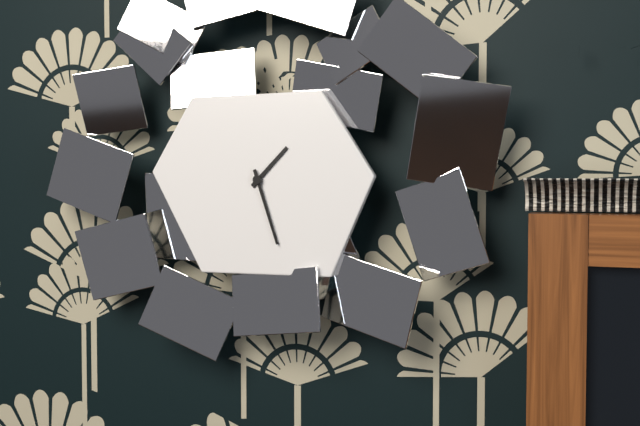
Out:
1.27
